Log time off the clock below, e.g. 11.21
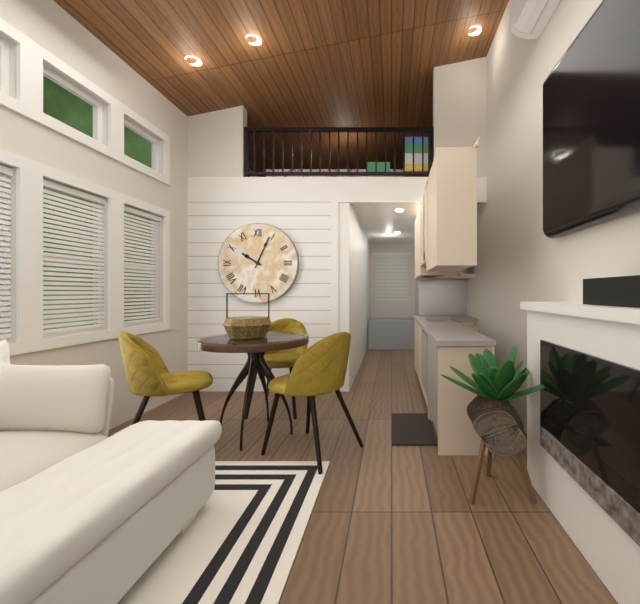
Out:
10.04
